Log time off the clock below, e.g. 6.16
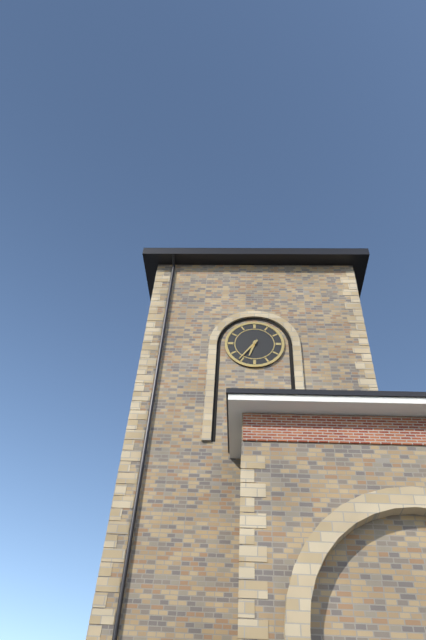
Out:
6.36
